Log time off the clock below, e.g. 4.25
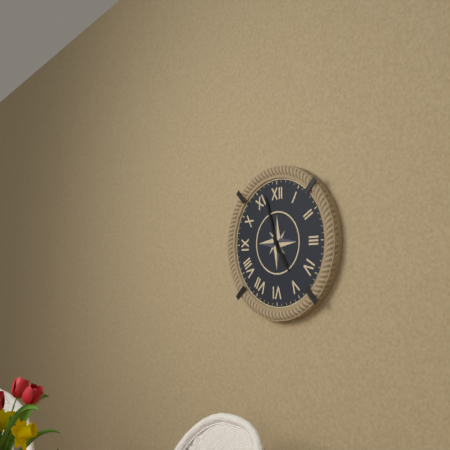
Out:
4.57
